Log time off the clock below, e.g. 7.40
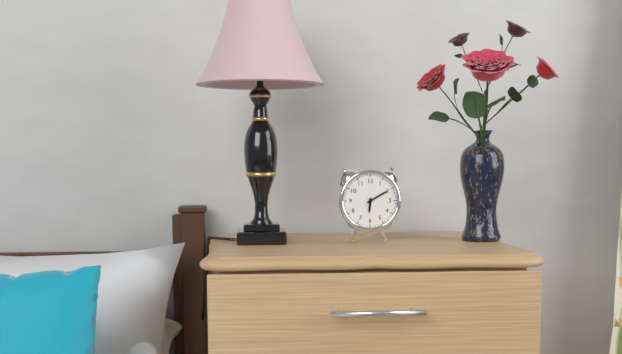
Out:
6.10
